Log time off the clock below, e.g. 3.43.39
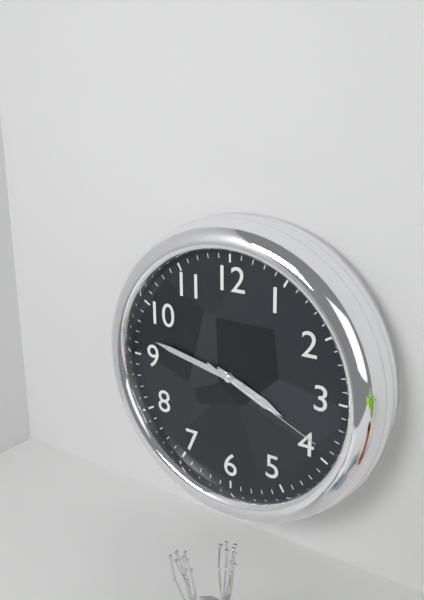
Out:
3.47.19
